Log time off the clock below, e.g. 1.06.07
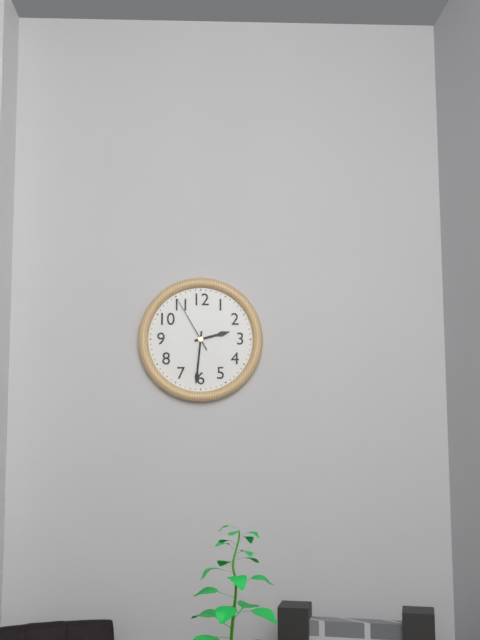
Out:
2.31.55
